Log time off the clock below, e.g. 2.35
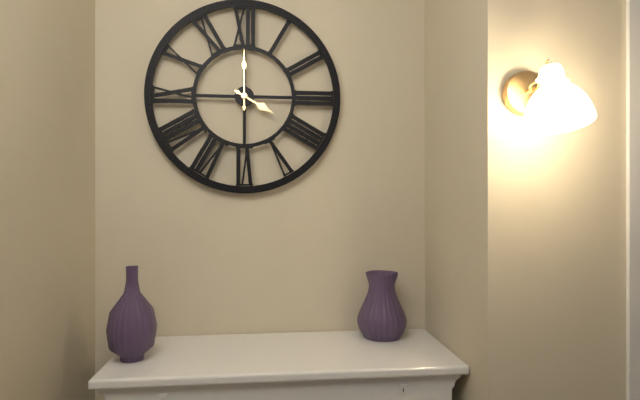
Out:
4.00
